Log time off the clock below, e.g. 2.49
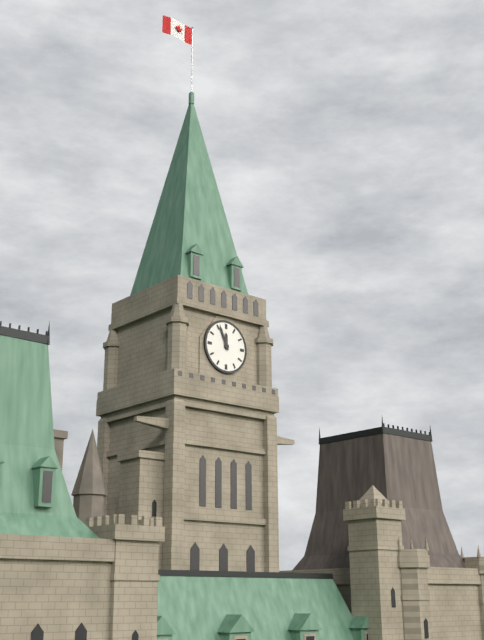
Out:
11.56
